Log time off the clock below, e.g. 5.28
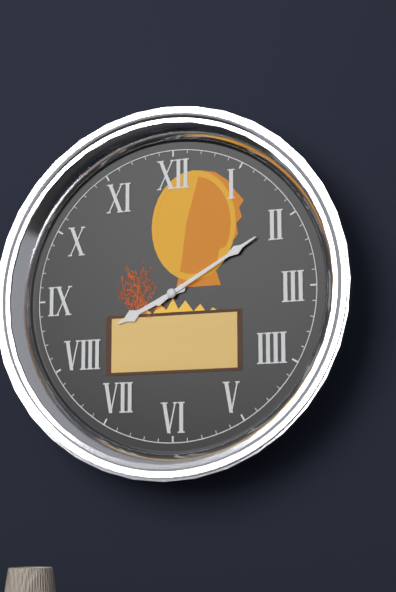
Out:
8.10
